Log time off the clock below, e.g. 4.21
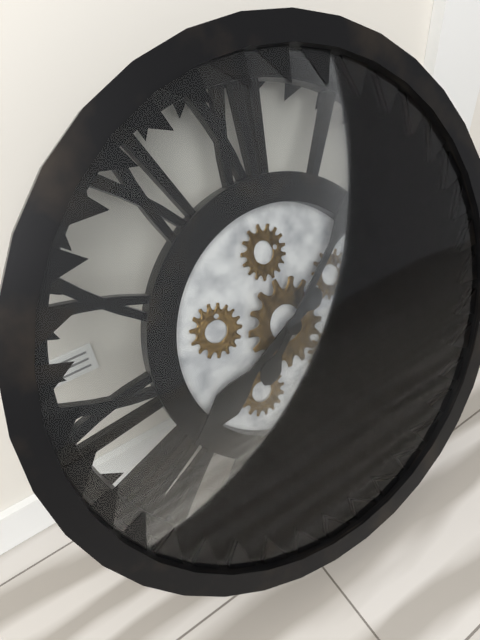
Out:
8.08
